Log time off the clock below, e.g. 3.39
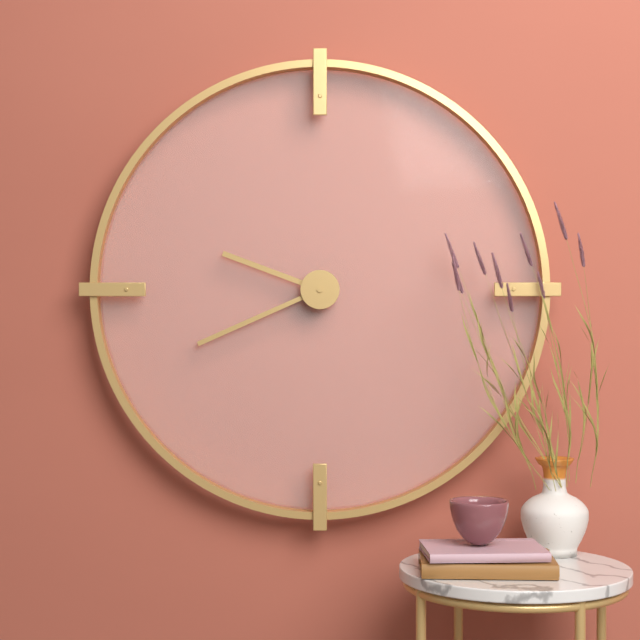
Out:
9.41
